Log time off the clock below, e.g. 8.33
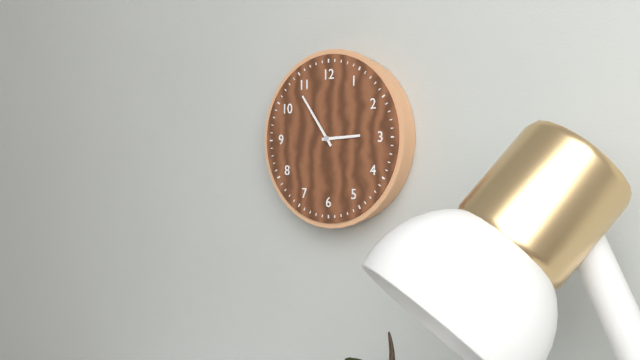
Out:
2.54
